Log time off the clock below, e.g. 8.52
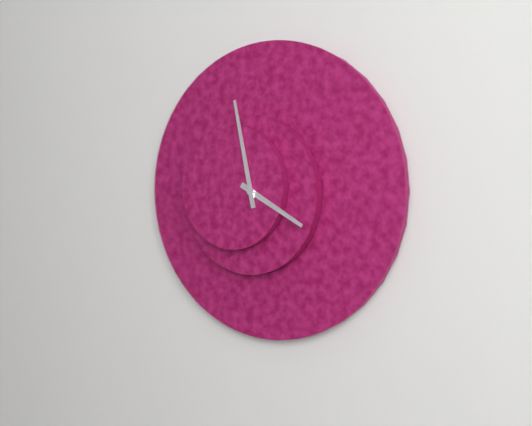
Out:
3.58
